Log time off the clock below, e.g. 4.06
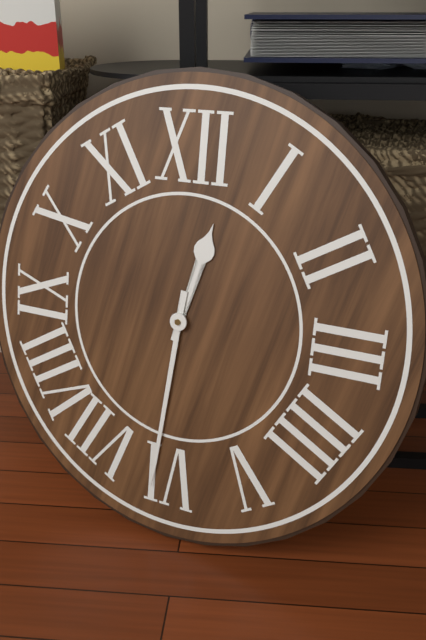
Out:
12.31
